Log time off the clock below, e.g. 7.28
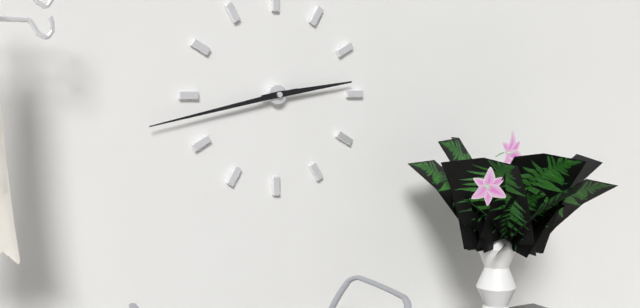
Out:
2.43
